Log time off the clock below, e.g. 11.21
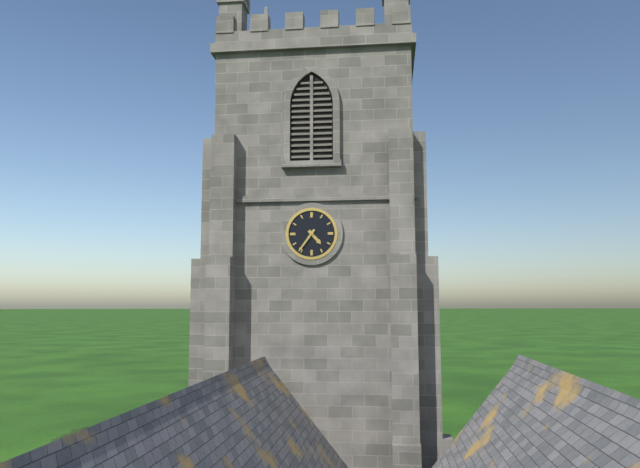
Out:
4.36
